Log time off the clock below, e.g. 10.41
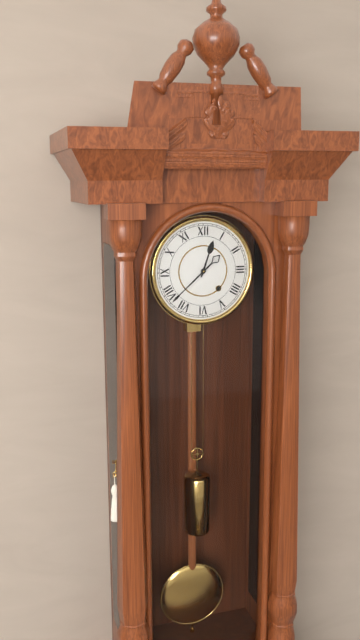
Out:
12.38
